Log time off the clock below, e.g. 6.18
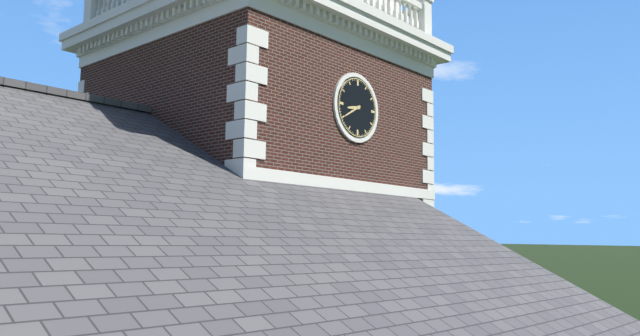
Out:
8.40
